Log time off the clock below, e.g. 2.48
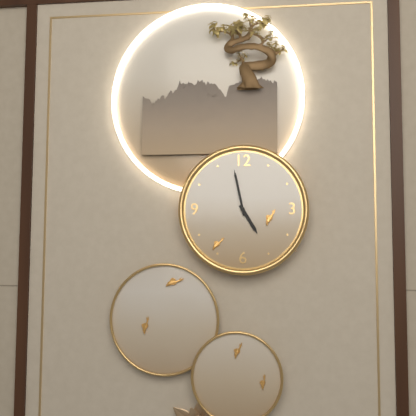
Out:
4.58
